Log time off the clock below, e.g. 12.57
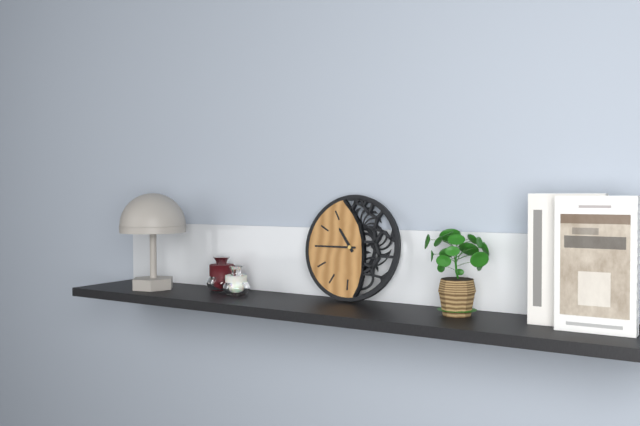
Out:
10.45
